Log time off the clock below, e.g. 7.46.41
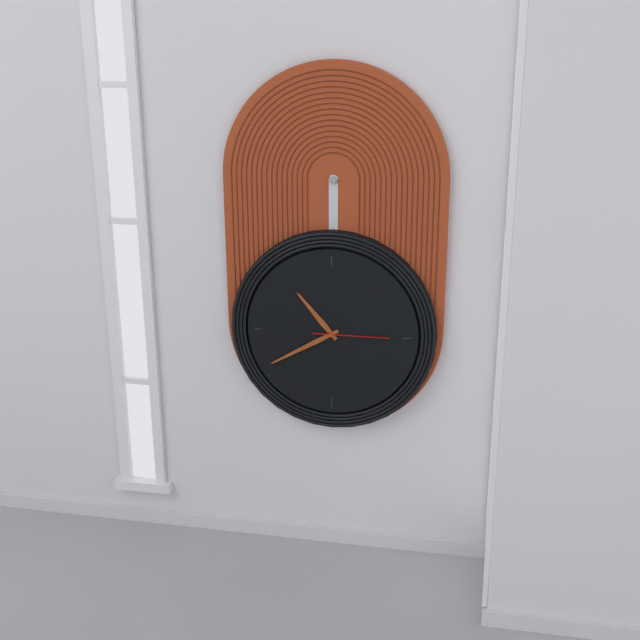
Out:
10.40.15
